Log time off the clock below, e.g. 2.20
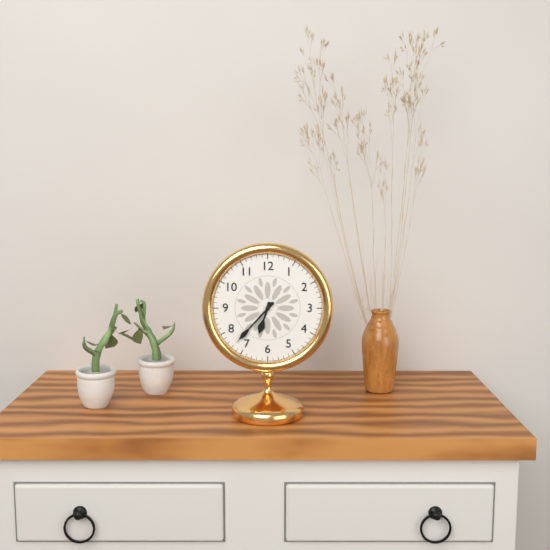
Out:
6.37
